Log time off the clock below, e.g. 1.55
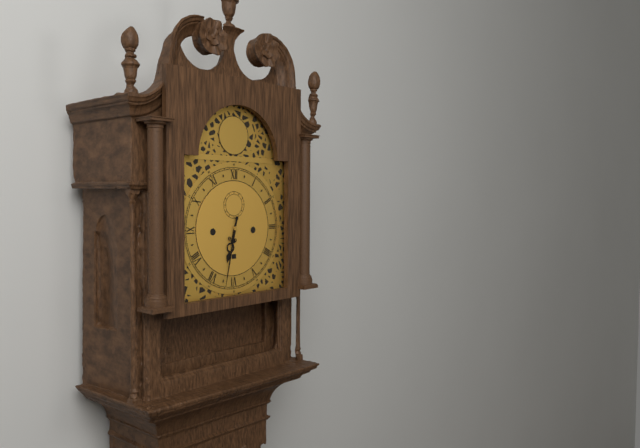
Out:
6.32
